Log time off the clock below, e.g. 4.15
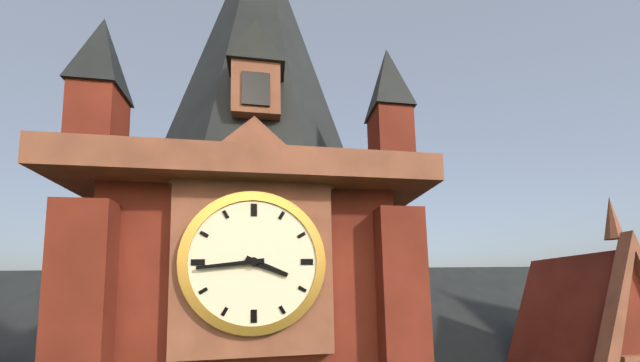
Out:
3.44
